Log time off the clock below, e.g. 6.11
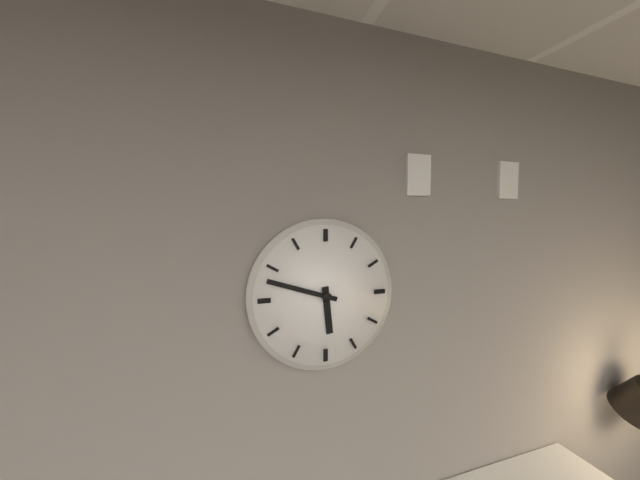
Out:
5.48
